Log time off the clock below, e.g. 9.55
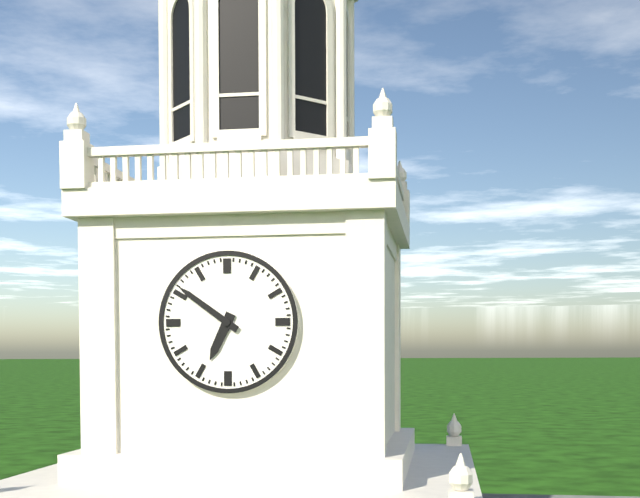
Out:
6.51
